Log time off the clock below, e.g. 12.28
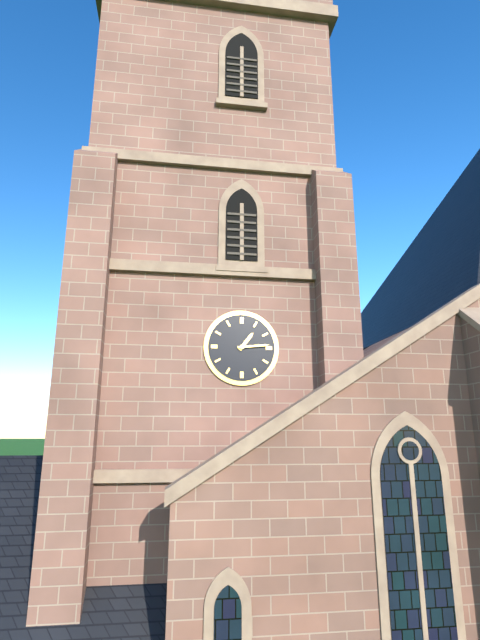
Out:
1.14
